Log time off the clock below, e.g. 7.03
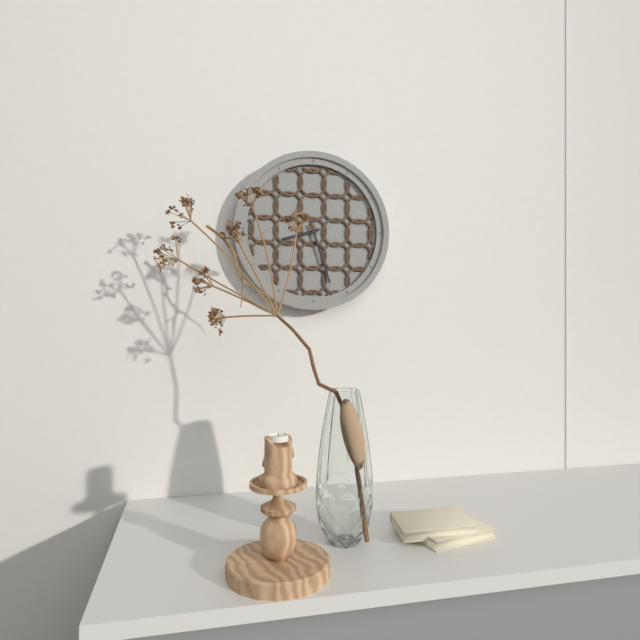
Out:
8.27
